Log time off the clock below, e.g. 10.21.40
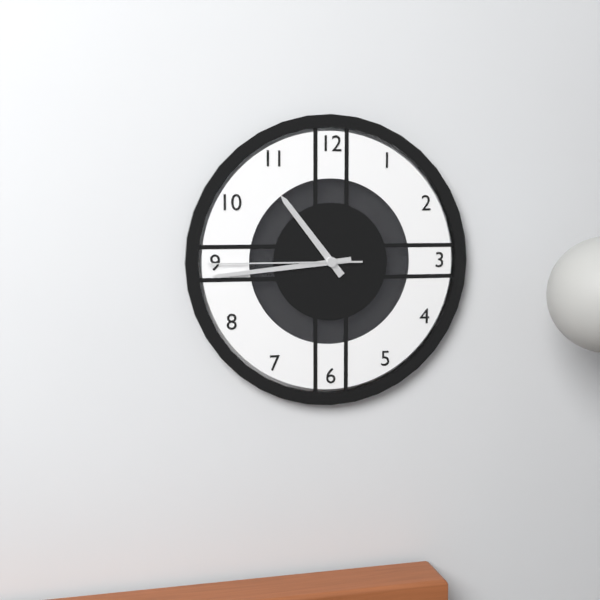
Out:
10.44.45
